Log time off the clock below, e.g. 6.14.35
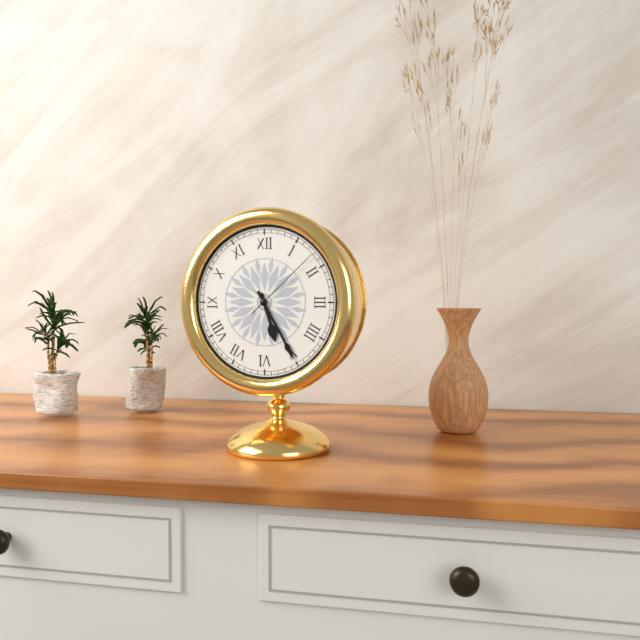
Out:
5.25.08
